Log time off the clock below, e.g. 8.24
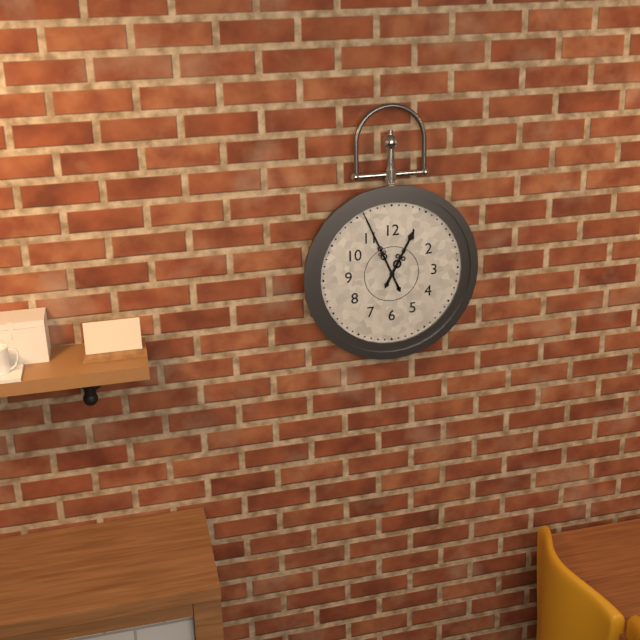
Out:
12.56
